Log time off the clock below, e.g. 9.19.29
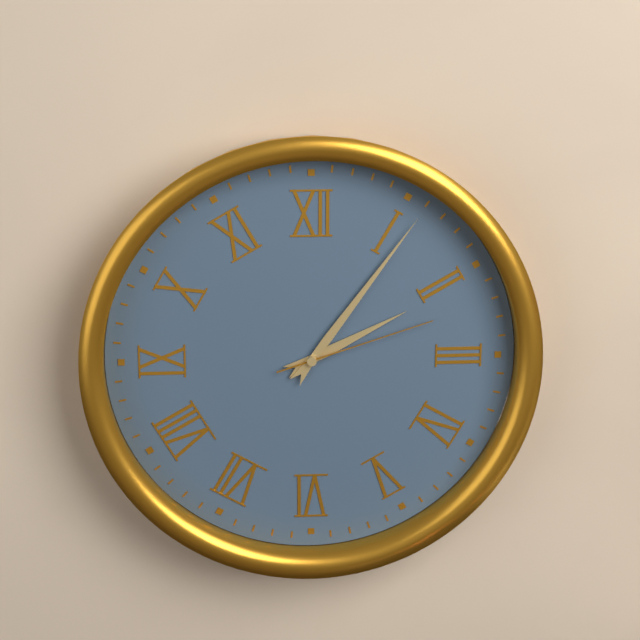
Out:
2.06.12
